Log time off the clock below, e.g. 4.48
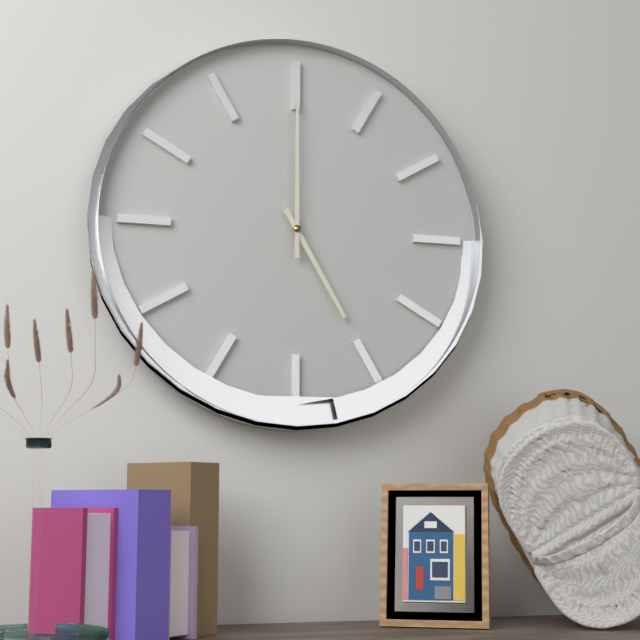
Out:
5.00
